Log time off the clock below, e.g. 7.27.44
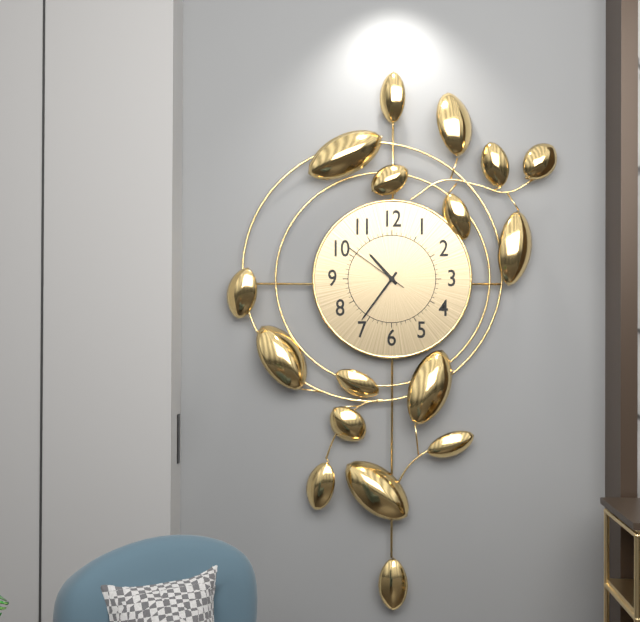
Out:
10.36.51
